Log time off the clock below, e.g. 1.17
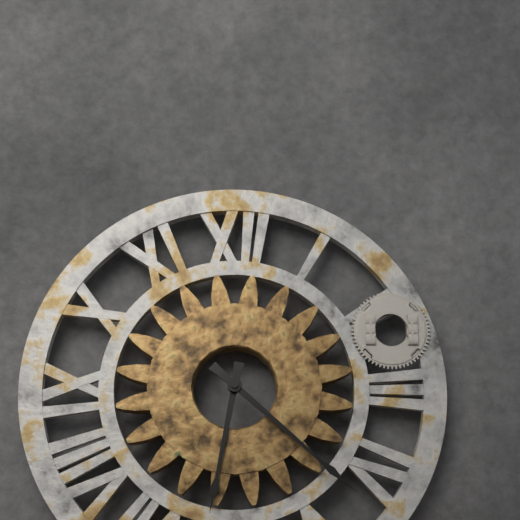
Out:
6.22
